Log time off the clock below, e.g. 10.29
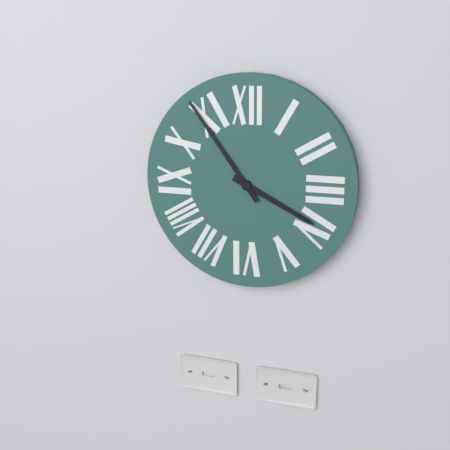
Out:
3.54
